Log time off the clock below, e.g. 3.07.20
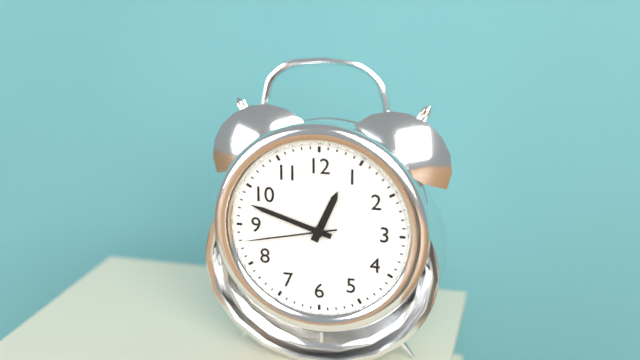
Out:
12.48.43
